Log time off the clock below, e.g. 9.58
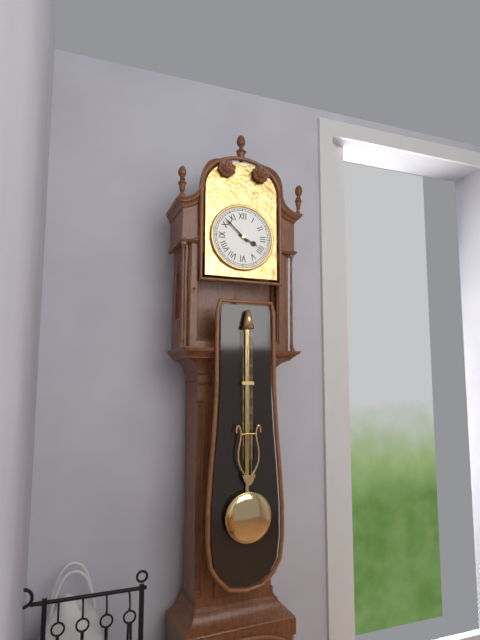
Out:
3.52
